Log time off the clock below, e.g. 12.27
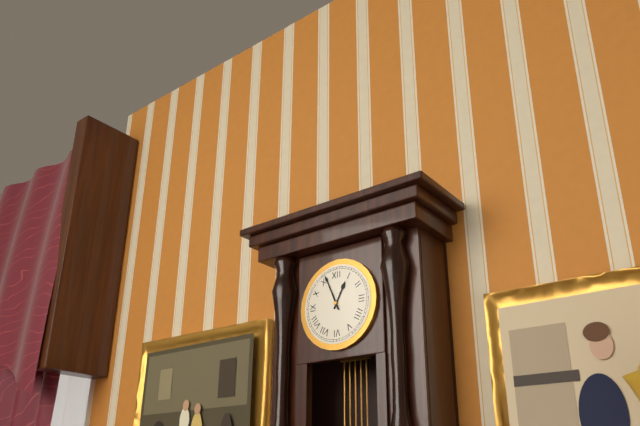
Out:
12.56
